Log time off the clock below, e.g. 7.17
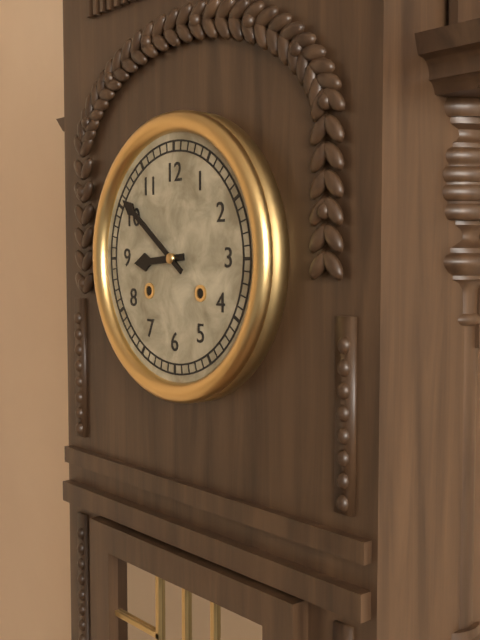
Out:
8.51
